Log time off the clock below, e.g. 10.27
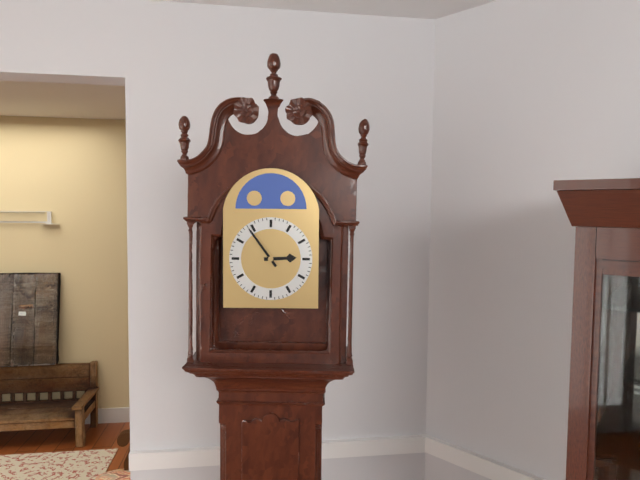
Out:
2.54
